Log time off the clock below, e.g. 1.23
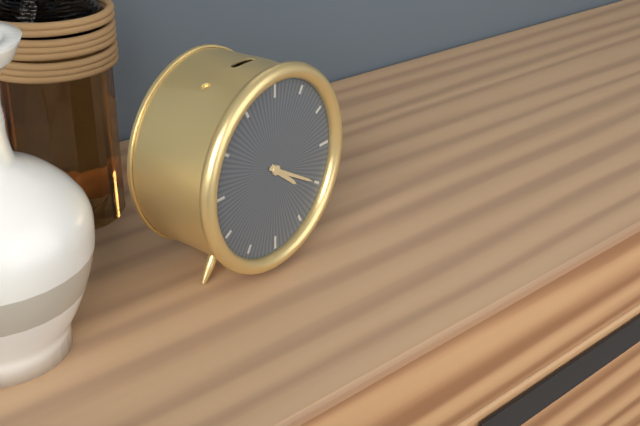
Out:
4.20
